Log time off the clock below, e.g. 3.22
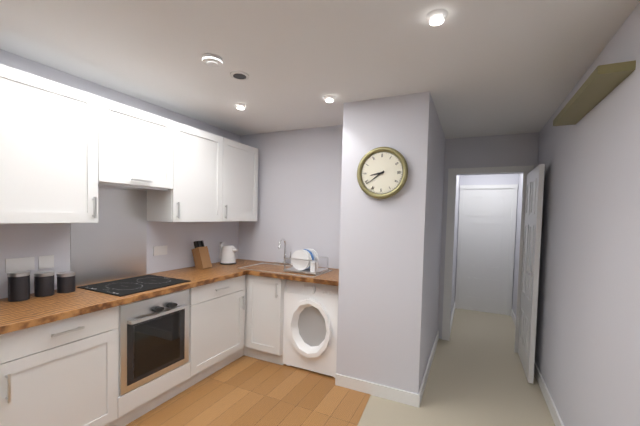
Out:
8.39
